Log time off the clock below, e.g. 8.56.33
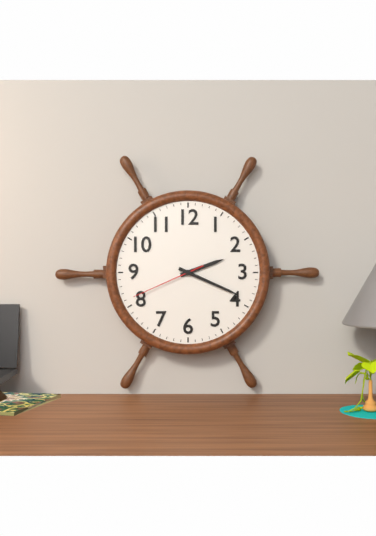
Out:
2.19.41
